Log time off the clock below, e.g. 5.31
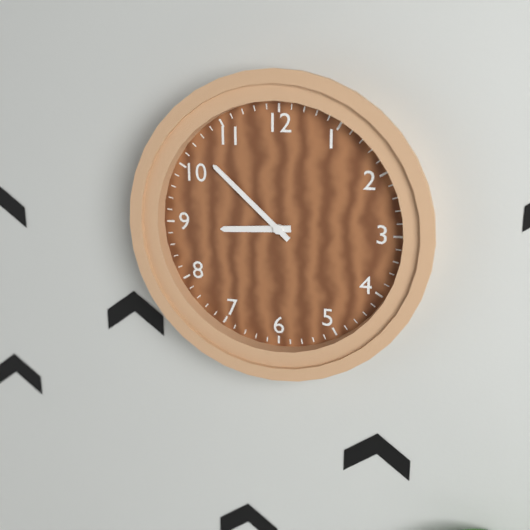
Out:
8.52
